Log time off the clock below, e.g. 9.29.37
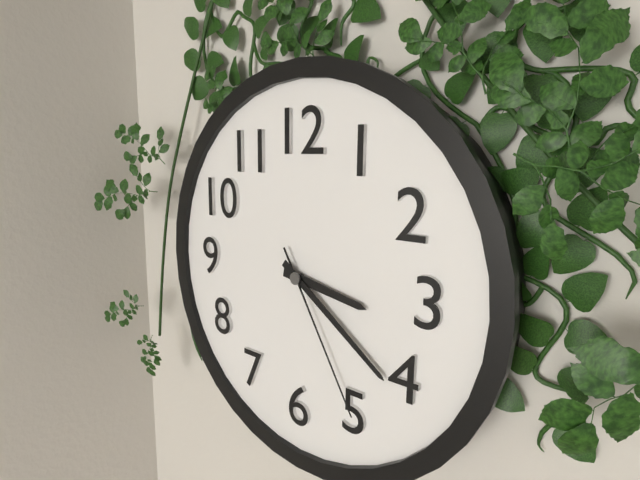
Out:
3.21.25
